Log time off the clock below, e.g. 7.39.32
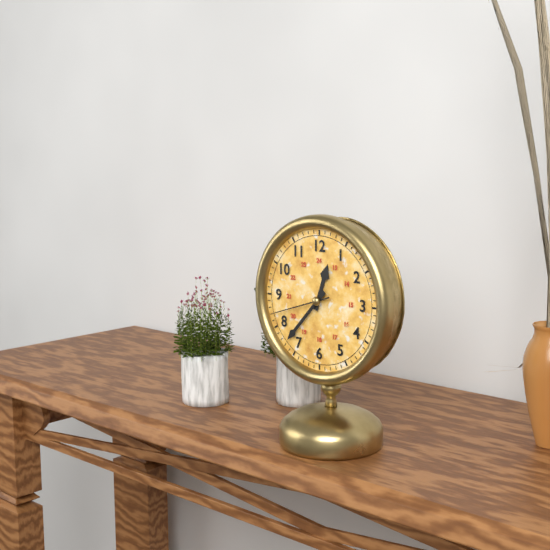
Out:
12.37.42
